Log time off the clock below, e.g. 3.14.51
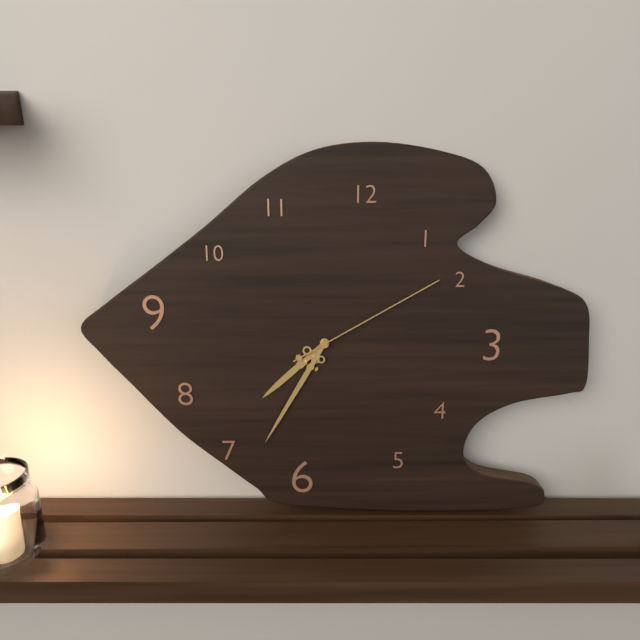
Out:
7.35.10
